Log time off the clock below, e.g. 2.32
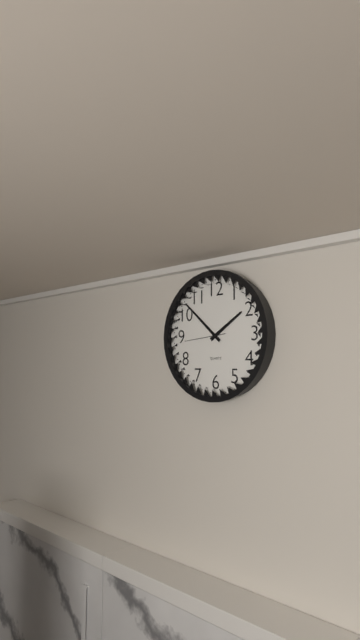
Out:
1.52
